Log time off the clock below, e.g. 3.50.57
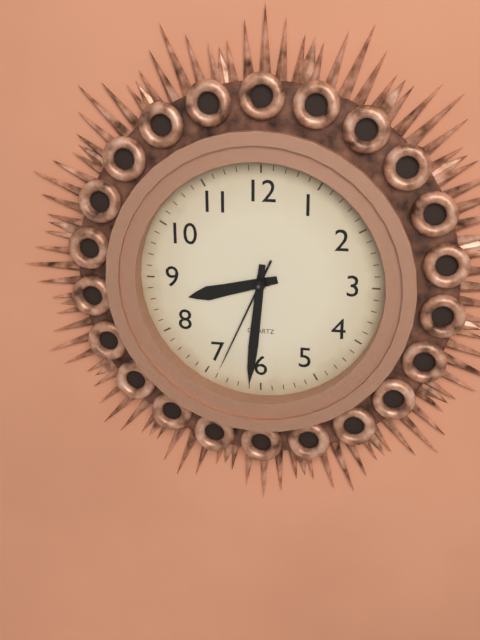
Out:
8.31.34
